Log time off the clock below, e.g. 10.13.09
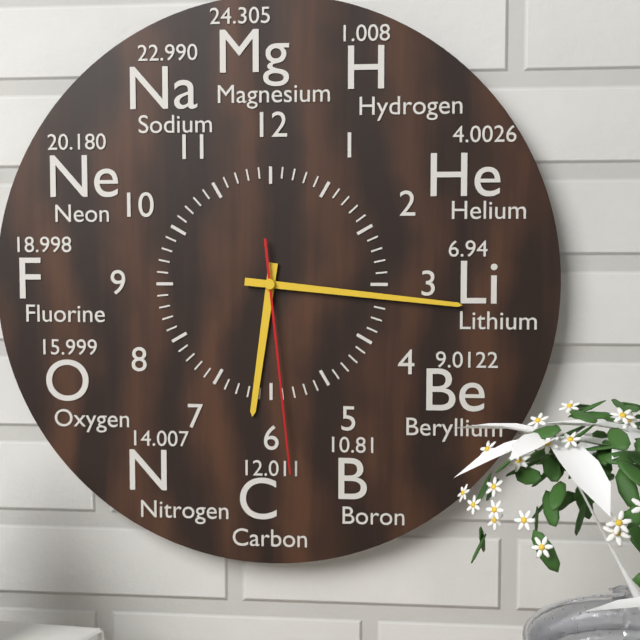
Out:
6.16.29
